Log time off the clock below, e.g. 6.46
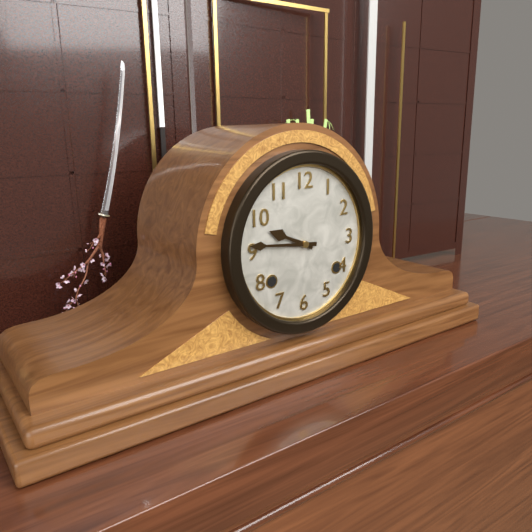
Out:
9.46
